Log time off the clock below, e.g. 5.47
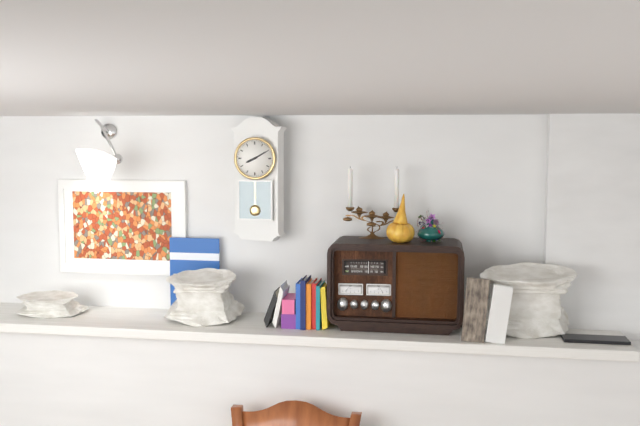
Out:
8.10
